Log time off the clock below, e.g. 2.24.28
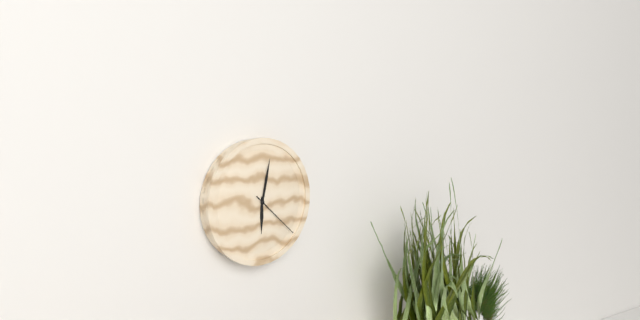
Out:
6.02.22
